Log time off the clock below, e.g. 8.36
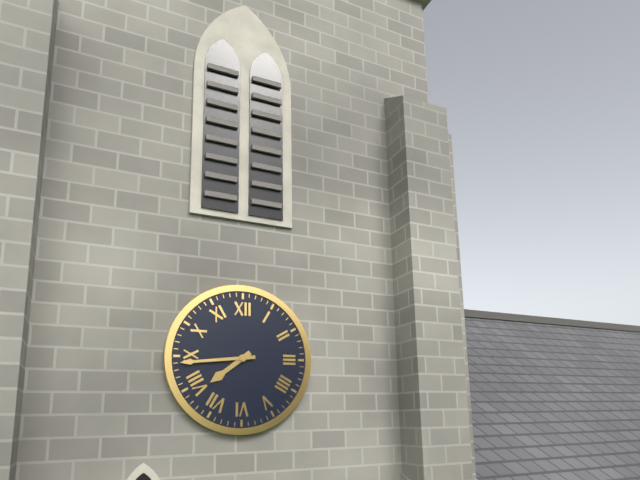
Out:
7.44
